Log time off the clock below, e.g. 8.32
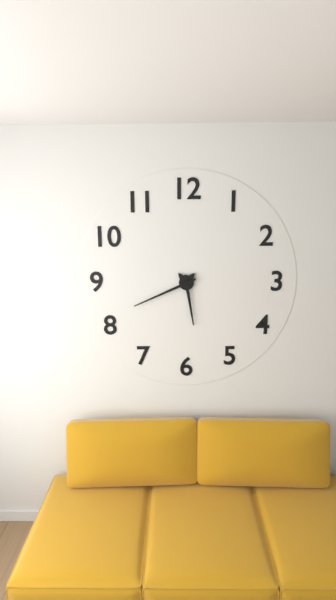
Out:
5.41
